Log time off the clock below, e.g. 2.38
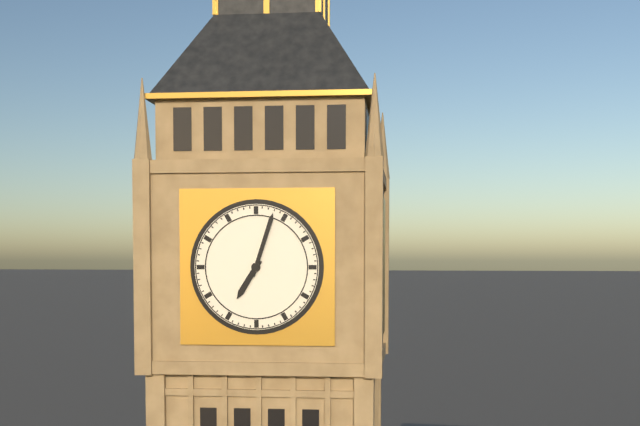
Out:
7.03
